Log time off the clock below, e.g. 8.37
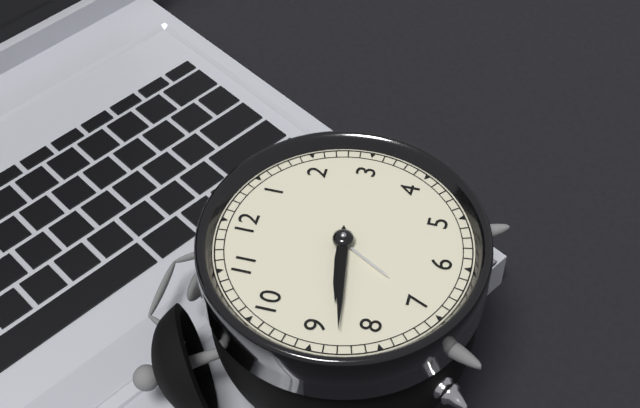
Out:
8.43
